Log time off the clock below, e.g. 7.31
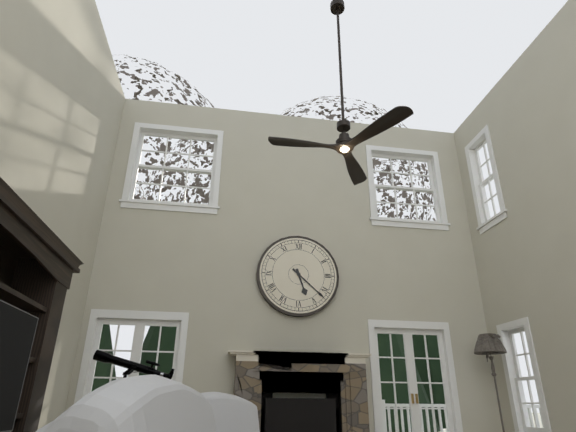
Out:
5.22
